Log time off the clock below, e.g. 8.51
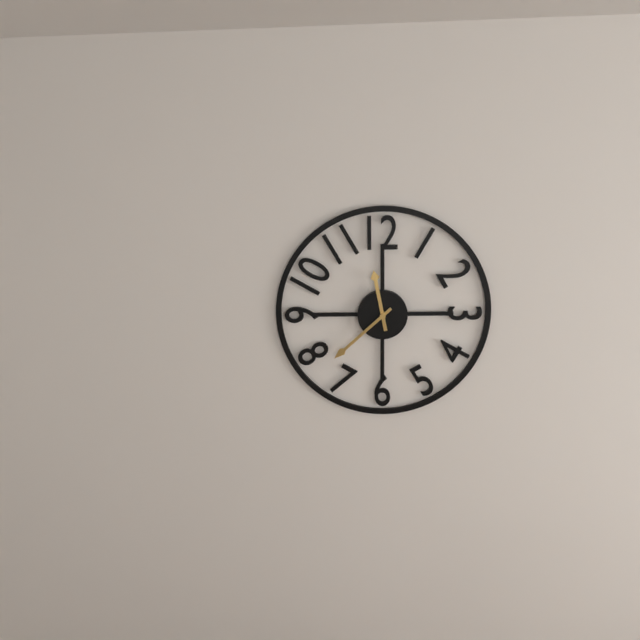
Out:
11.38
